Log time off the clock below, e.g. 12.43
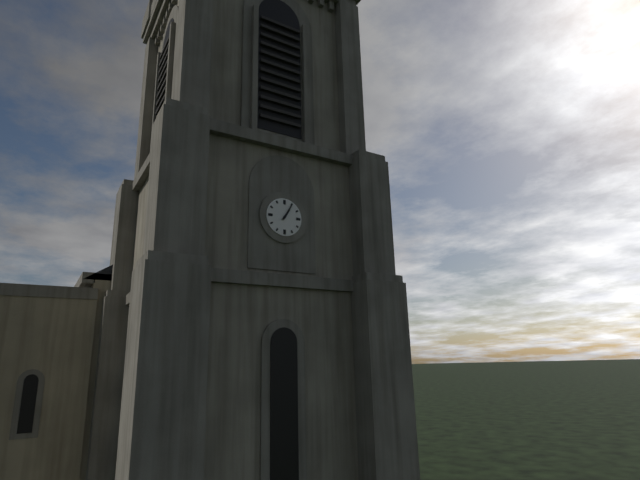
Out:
1.05
